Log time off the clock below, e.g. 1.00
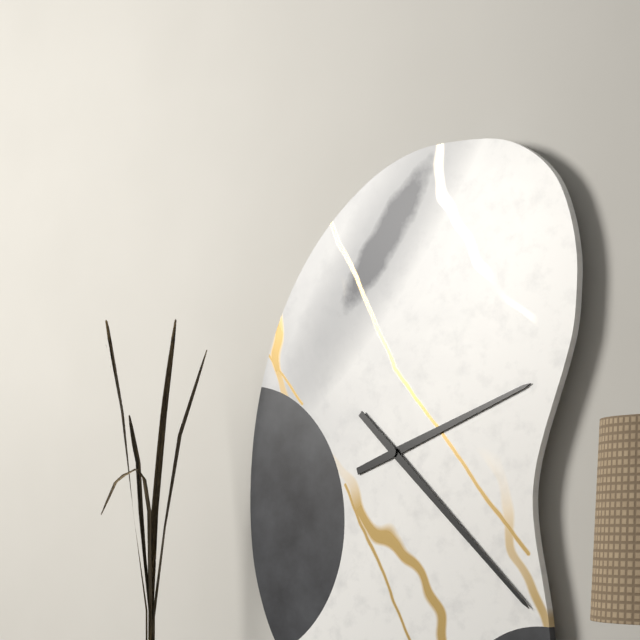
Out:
2.22
